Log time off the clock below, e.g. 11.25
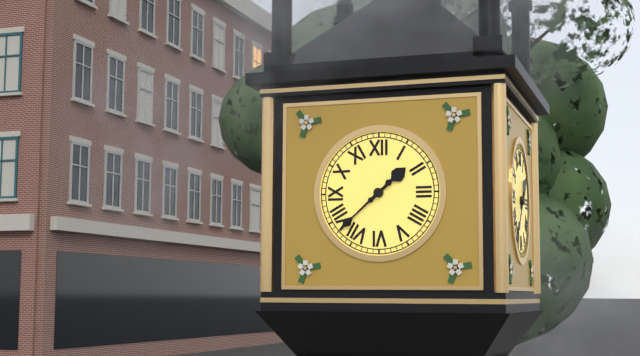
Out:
1.38
